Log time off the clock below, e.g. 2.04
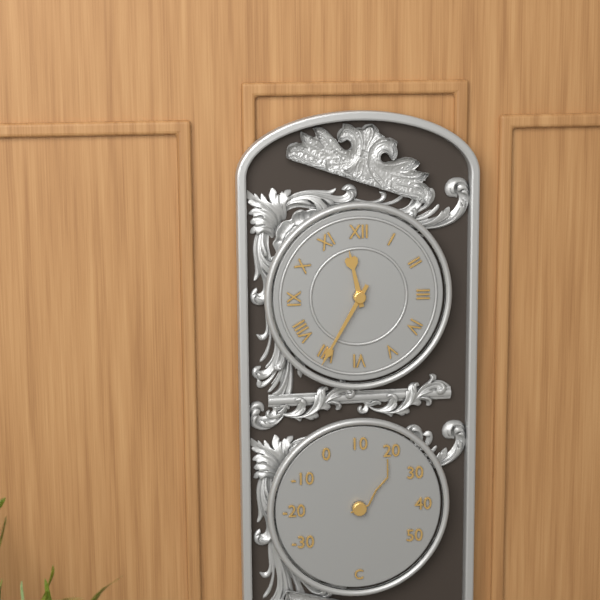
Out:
11.35
